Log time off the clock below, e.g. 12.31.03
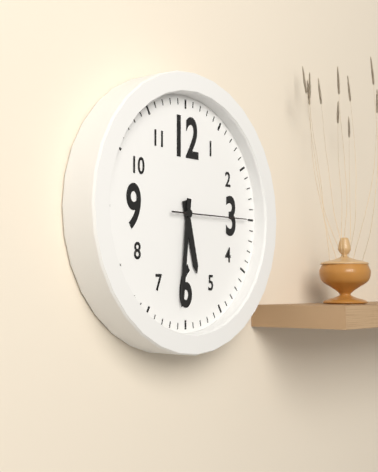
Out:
5.31.15
